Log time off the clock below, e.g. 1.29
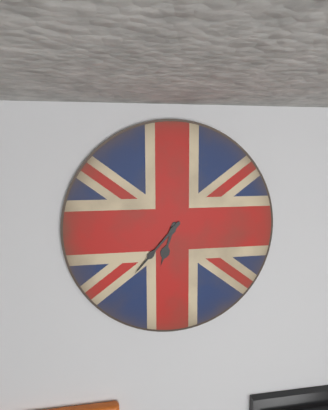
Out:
6.37
